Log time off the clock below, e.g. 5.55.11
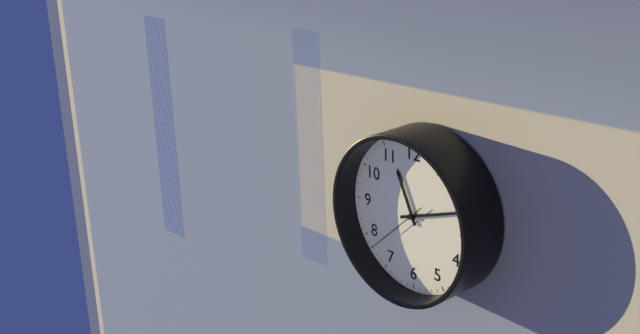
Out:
11.12.38
